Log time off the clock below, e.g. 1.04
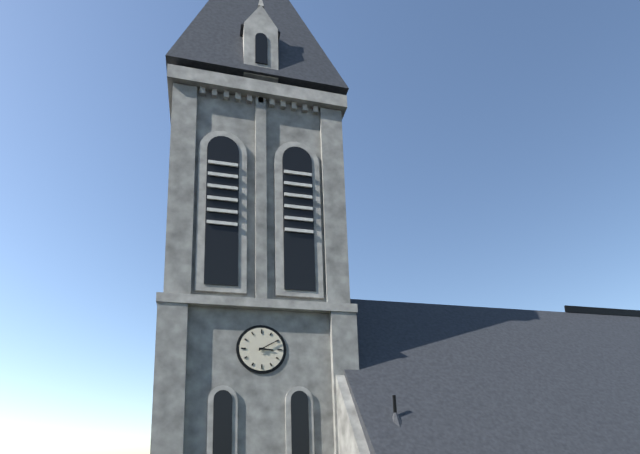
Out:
3.10
